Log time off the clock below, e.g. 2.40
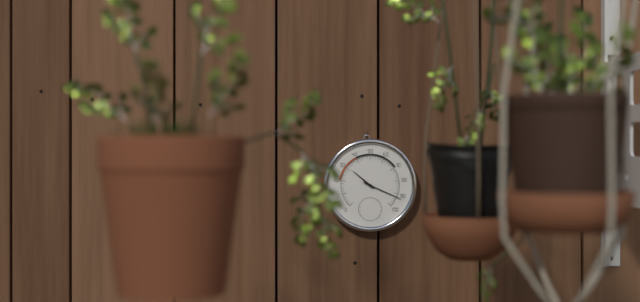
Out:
10.19
